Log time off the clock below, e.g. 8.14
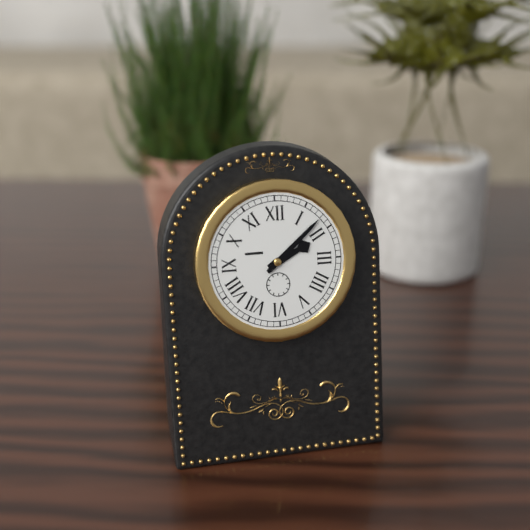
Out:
2.08
